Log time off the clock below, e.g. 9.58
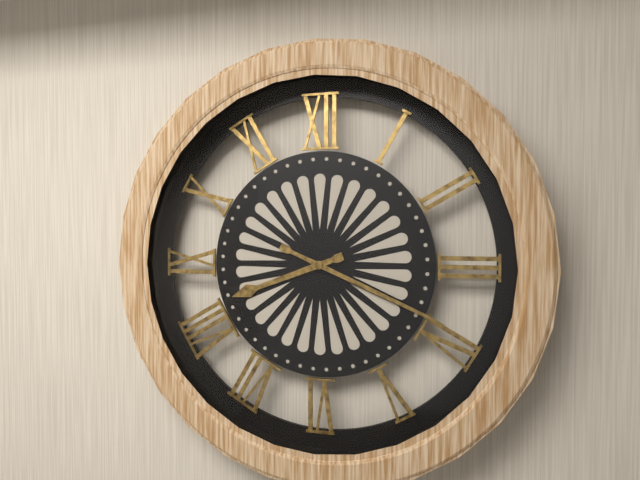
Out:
8.19
